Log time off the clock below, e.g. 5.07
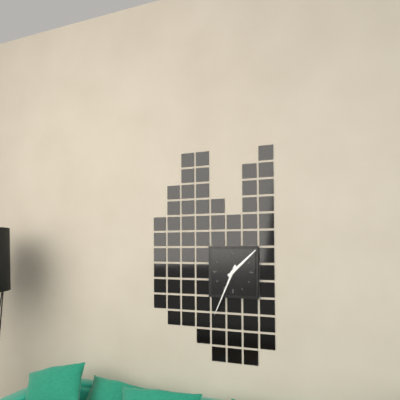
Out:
1.34
